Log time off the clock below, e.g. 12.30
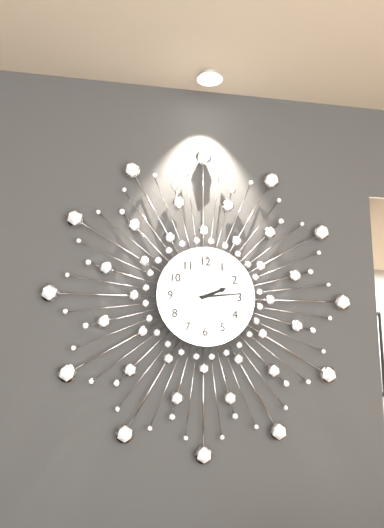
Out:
2.14
